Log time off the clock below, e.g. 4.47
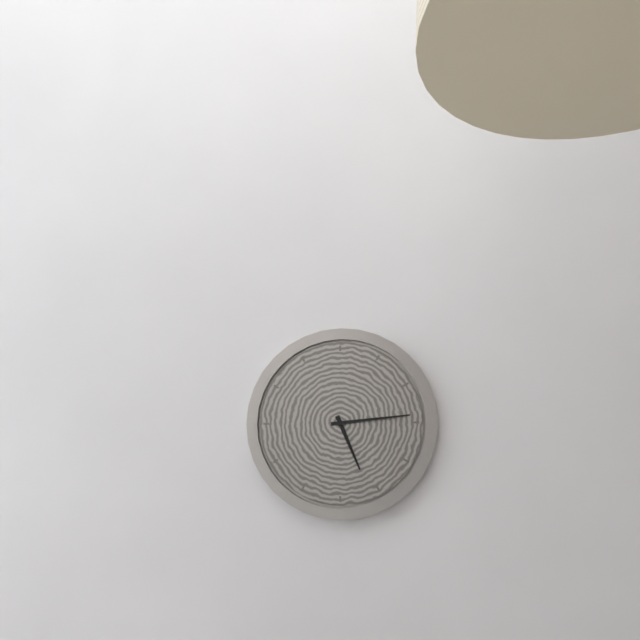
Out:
5.14
